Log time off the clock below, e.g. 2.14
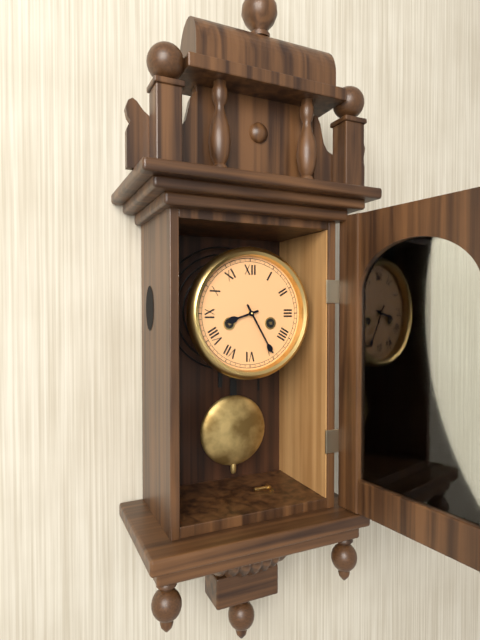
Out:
8.25
